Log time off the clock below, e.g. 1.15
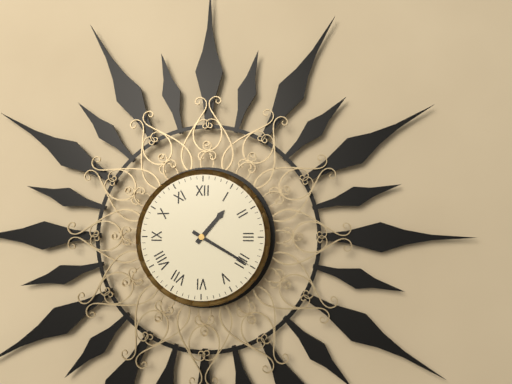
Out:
1.20
